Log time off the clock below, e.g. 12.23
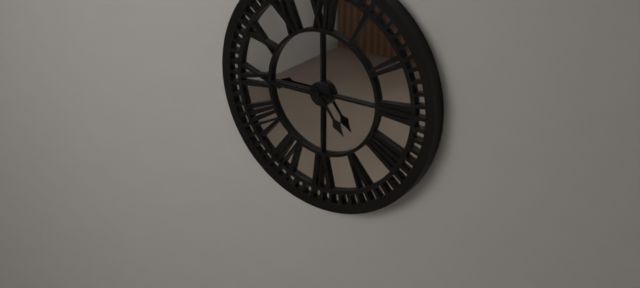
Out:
4.45
